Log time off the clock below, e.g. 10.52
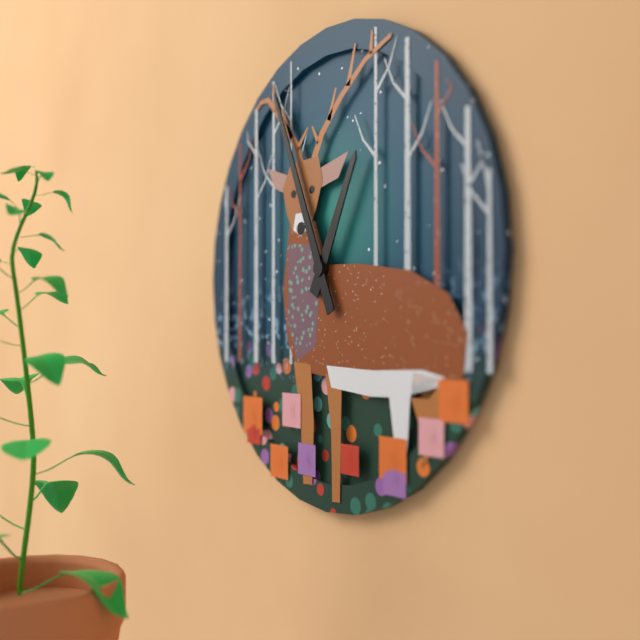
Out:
12.56
